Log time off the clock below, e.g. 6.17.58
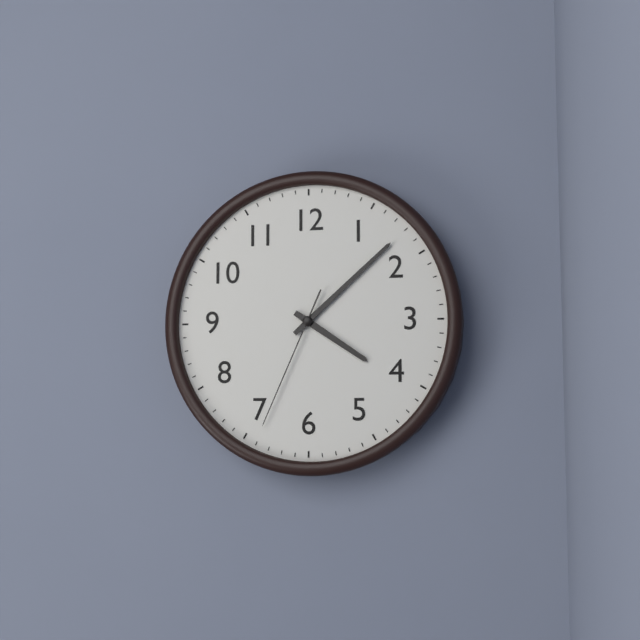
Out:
4.08.34
